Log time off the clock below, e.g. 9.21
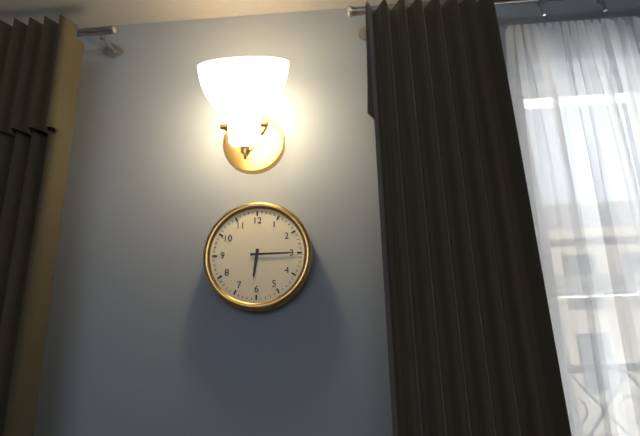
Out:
6.15
